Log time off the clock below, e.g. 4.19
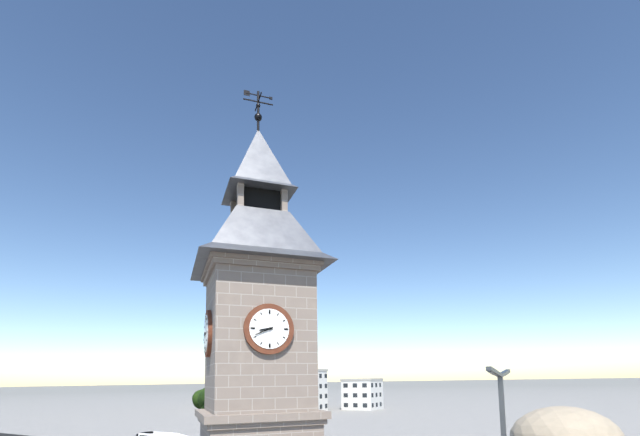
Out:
8.41
